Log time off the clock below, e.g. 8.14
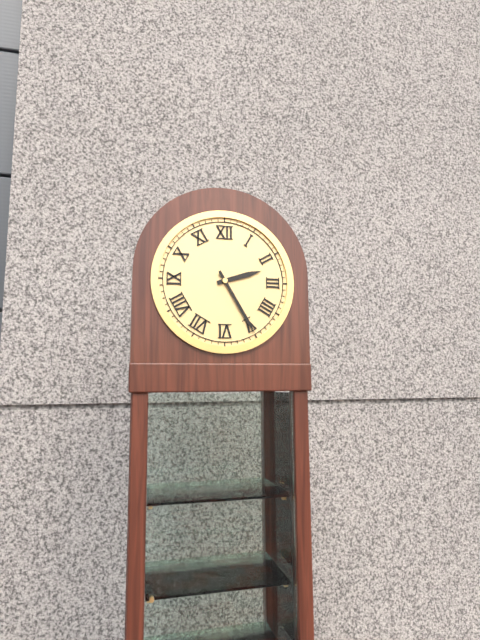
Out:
2.25
